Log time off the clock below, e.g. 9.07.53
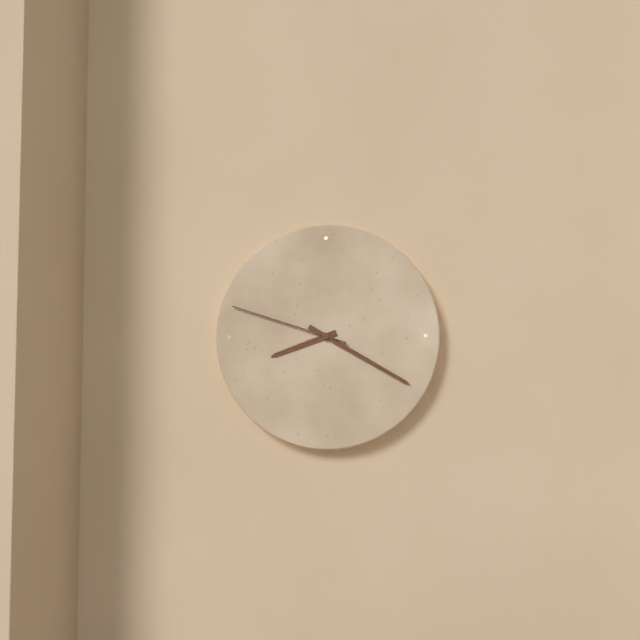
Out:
8.20.48
